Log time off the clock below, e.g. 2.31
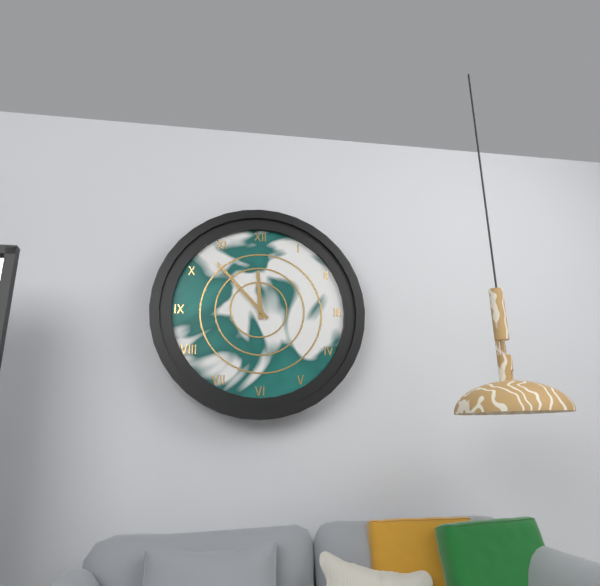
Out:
11.53
